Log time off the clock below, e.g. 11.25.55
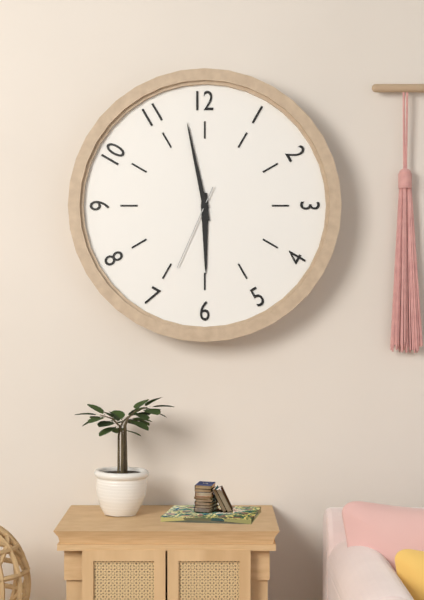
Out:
5.58.34
